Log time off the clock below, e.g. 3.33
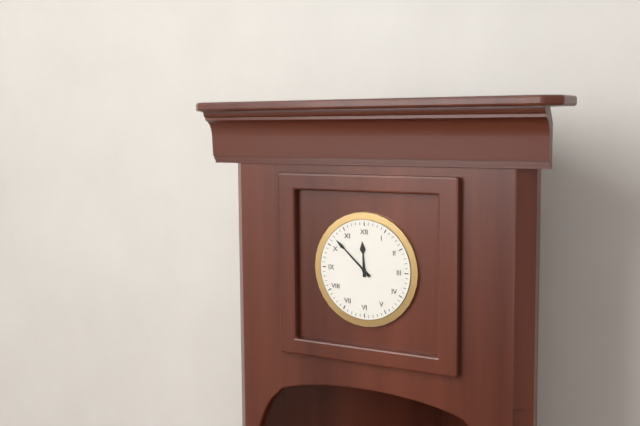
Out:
11.52
